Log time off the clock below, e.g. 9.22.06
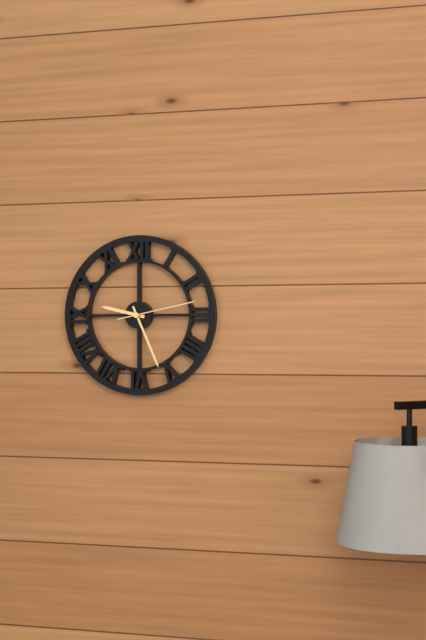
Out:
9.26.13
